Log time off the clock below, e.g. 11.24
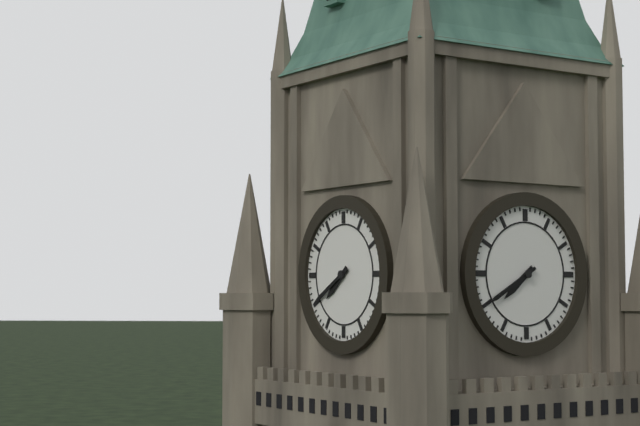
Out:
7.40
